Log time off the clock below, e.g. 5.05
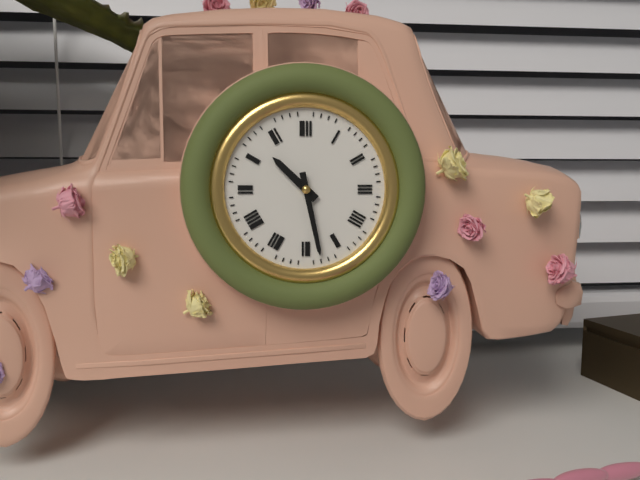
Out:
10.28
